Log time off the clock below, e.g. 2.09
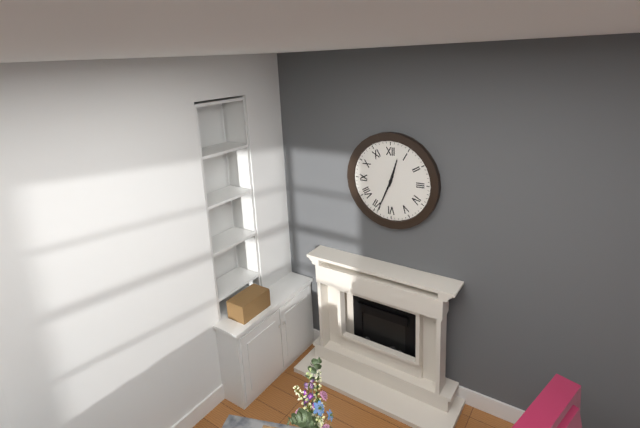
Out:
12.34
